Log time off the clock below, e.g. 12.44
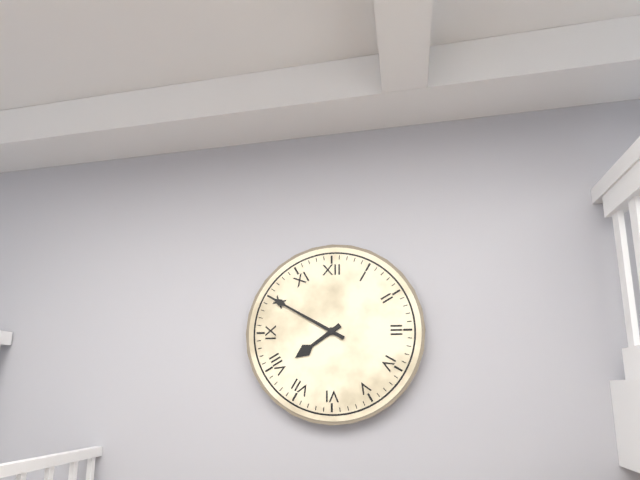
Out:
7.50
